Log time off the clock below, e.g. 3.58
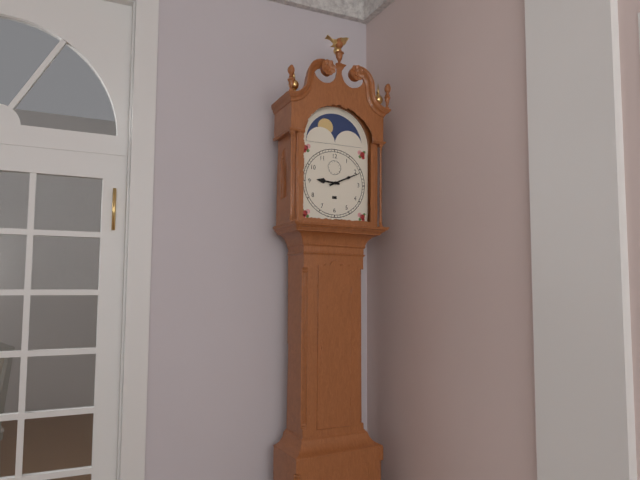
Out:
9.11
